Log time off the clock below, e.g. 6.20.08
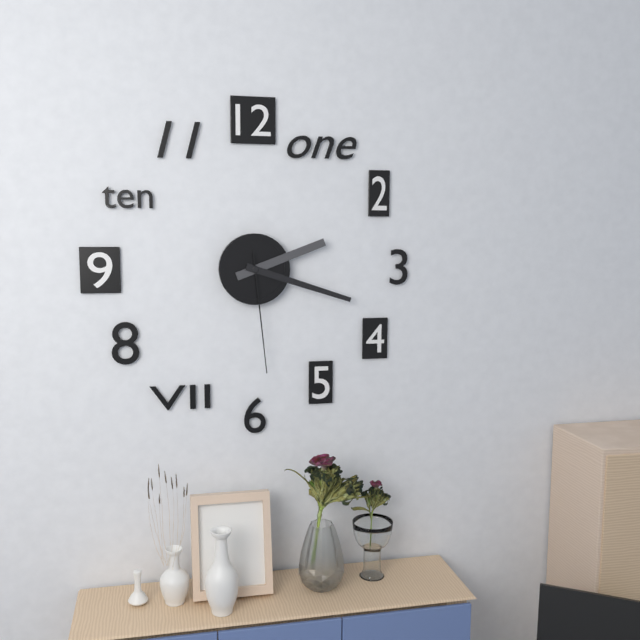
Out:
2.18.29
